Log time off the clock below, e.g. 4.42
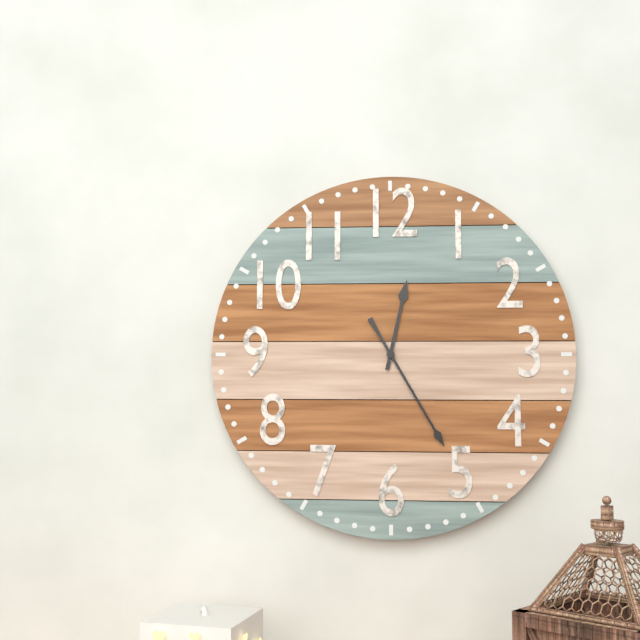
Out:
12.25
